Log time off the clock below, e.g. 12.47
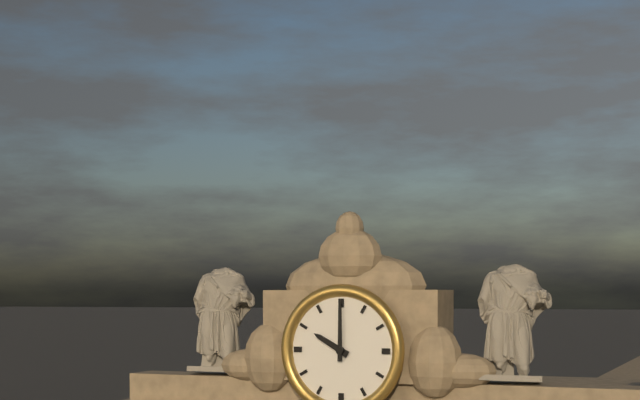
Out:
10.00
